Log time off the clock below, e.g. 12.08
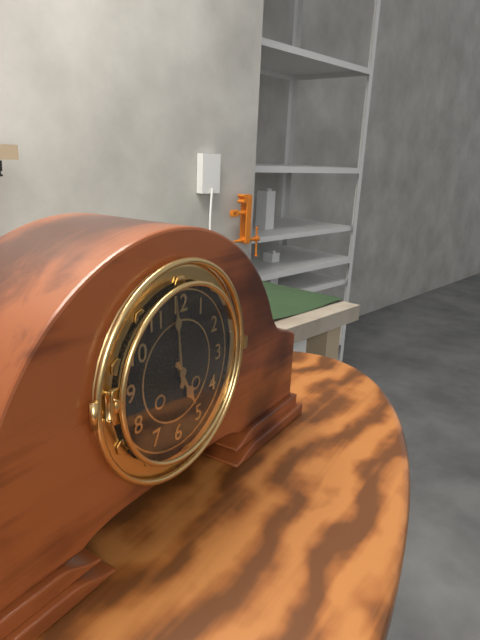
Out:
4.59
